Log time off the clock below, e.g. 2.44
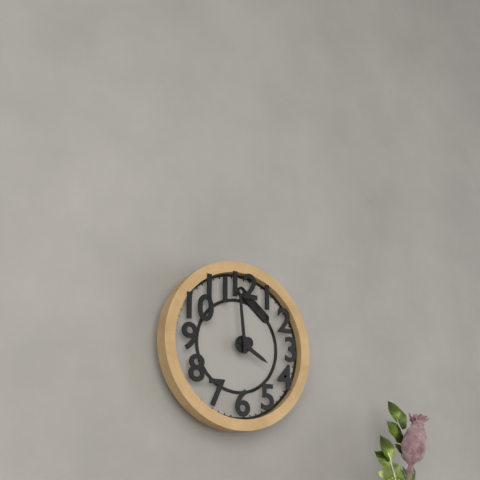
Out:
3.59
